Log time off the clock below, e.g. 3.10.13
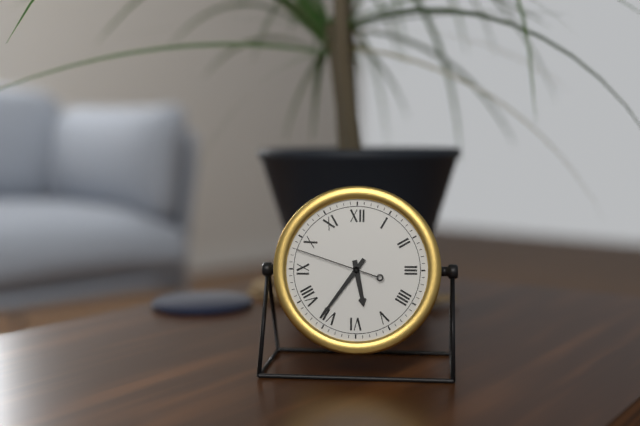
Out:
5.36.48
